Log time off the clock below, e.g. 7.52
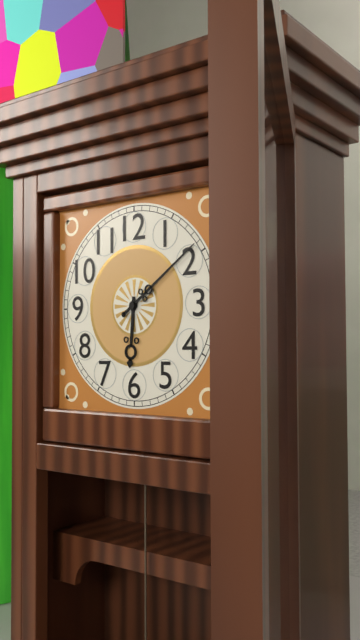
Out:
6.09
